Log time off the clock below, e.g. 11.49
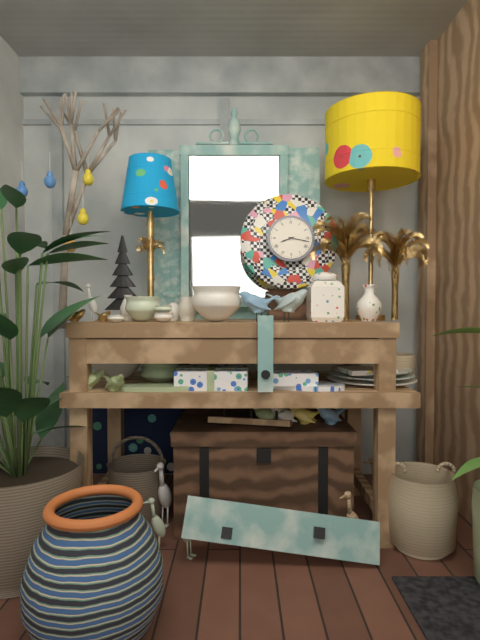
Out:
8.17
